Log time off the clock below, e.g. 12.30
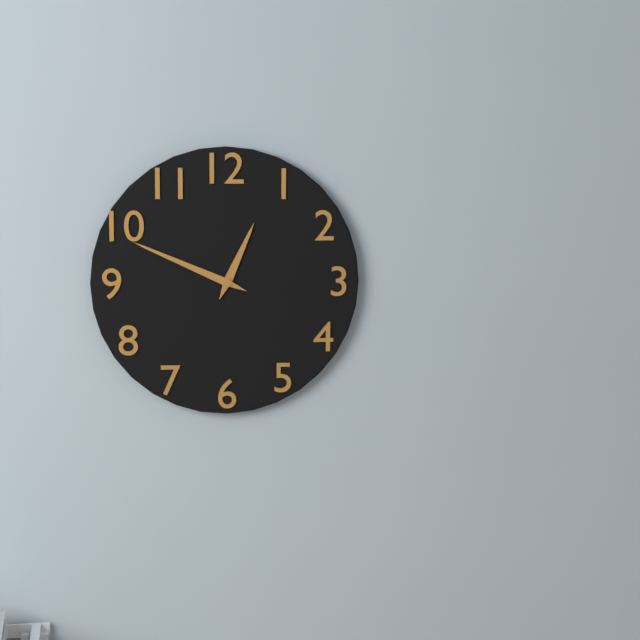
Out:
12.49
